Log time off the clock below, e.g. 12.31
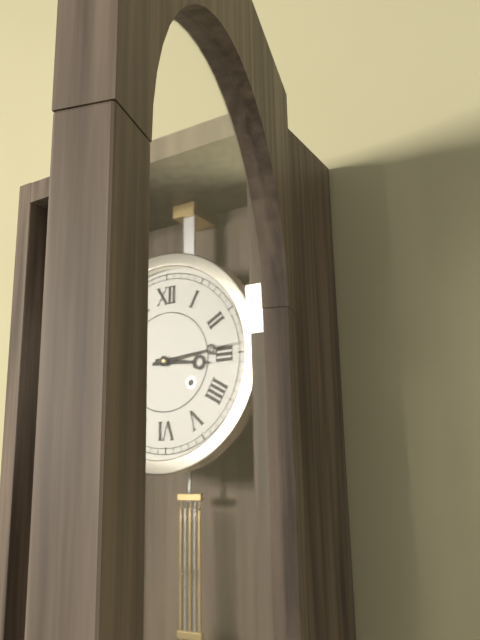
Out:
3.14
